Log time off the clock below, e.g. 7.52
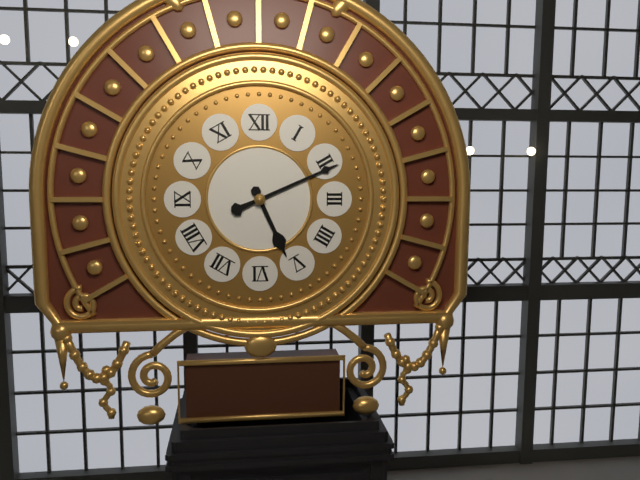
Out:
5.11
